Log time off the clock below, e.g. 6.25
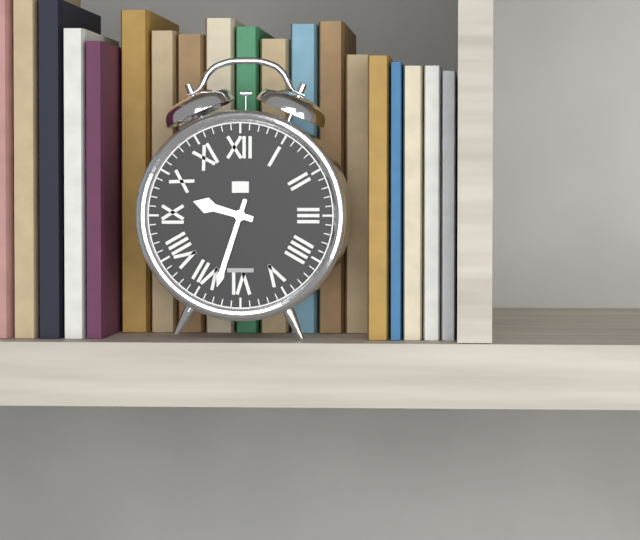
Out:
9.33
